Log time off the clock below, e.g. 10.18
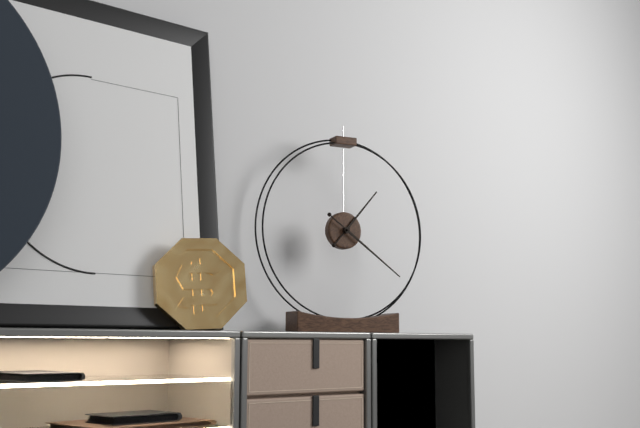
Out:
1.21
